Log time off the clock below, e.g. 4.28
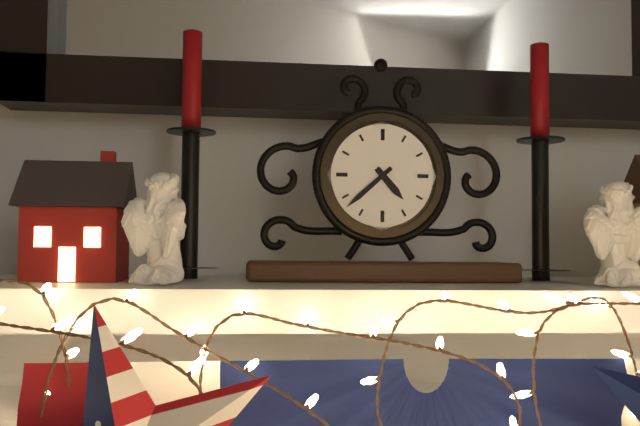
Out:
4.38
